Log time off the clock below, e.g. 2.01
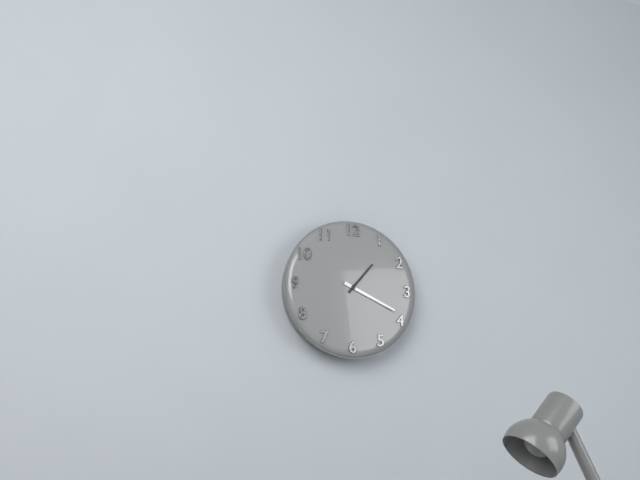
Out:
1.19
